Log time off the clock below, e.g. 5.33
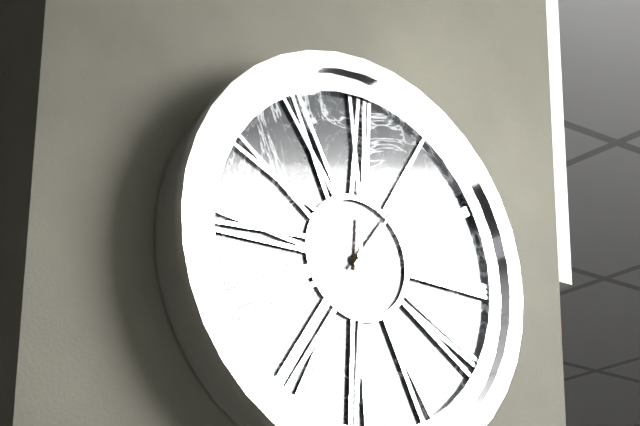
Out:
12.06
